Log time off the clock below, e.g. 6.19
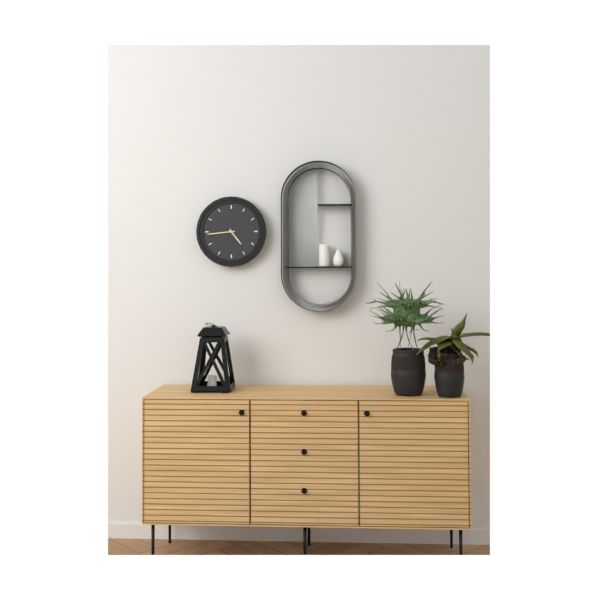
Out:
4.44
